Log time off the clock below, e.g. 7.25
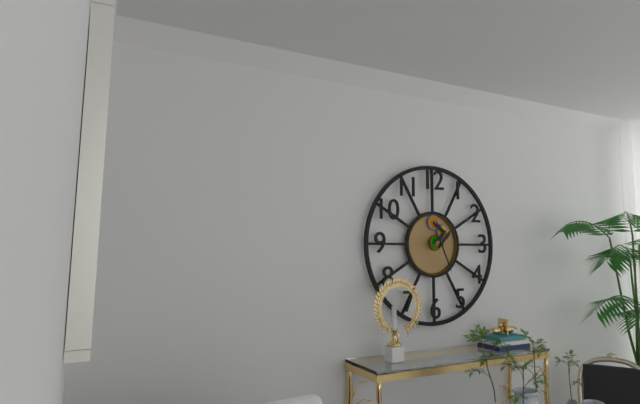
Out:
1.26
